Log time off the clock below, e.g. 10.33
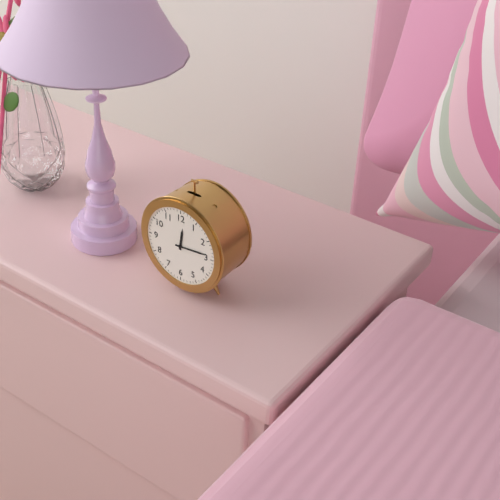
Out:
12.14
